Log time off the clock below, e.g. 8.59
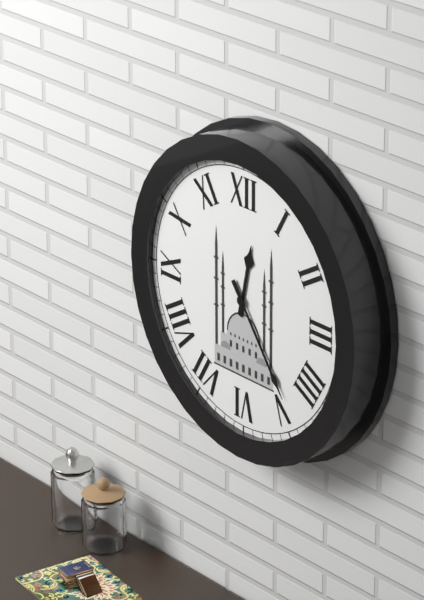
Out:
12.24
